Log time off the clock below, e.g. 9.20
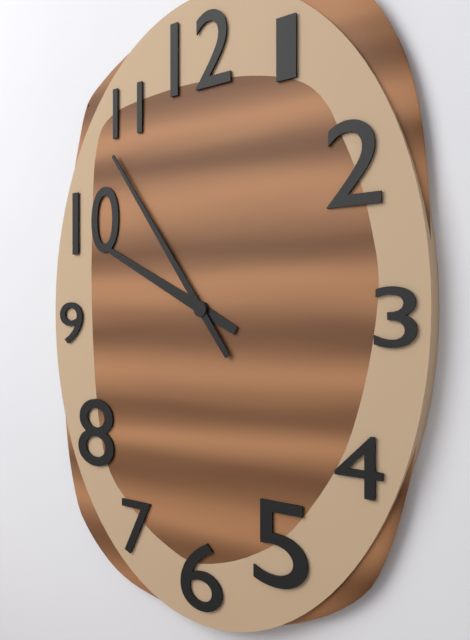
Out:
9.54
